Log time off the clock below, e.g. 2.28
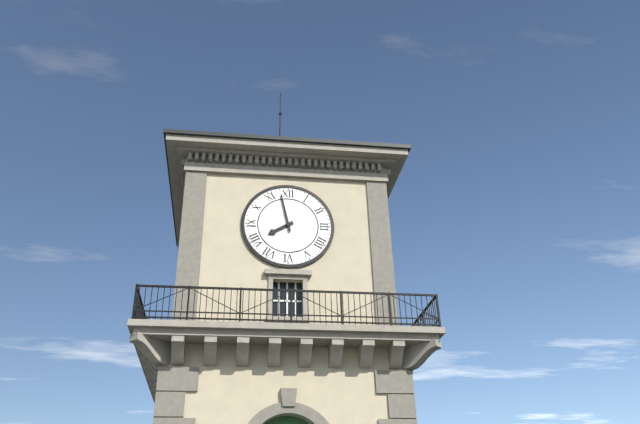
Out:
7.58
